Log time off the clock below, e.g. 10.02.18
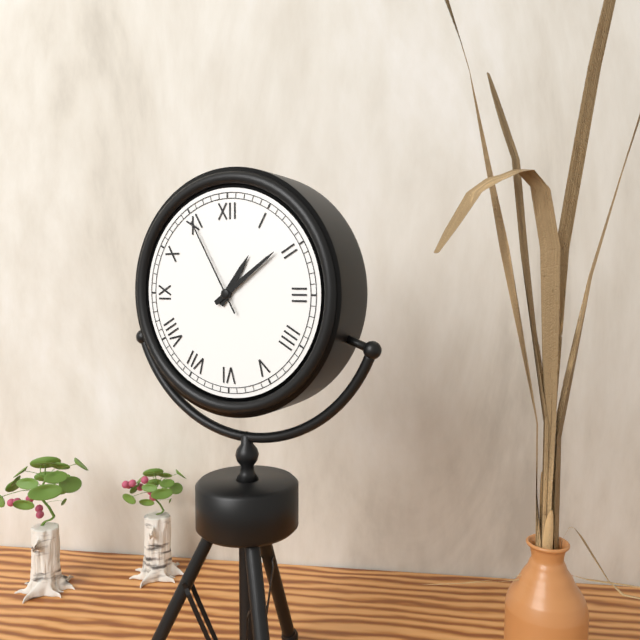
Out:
1.09.55
